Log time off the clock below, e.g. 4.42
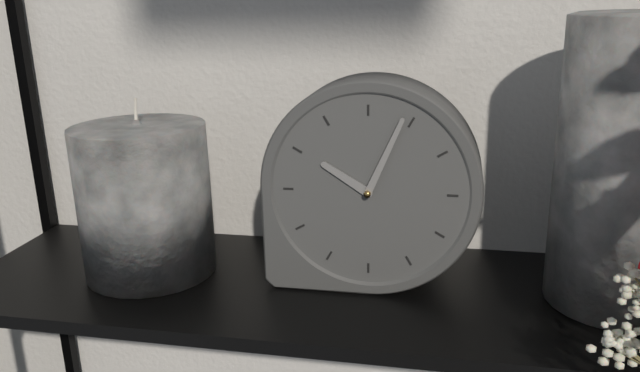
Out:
10.04
